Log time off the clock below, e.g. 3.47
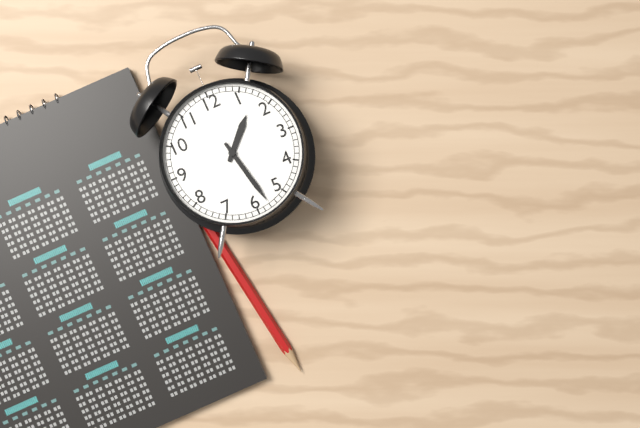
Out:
1.28
